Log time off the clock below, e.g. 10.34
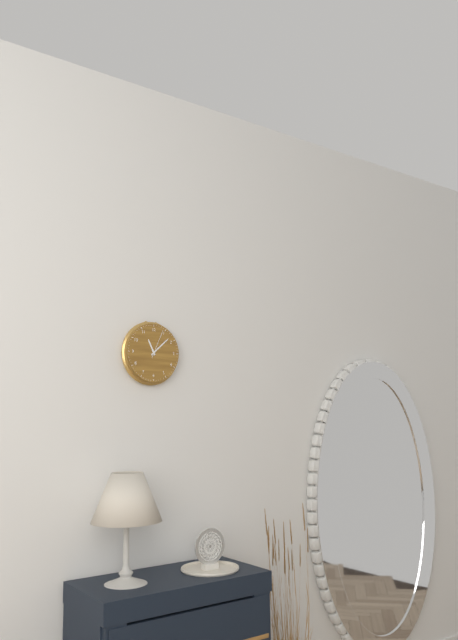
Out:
11.08
